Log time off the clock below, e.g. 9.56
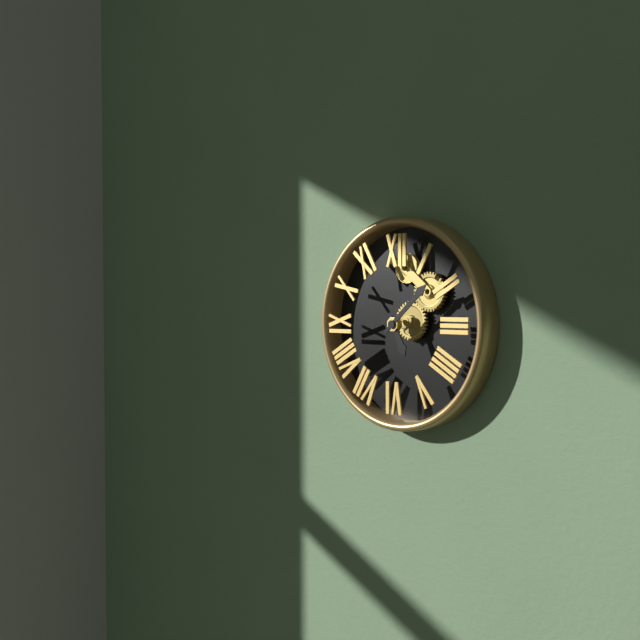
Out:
5.08
